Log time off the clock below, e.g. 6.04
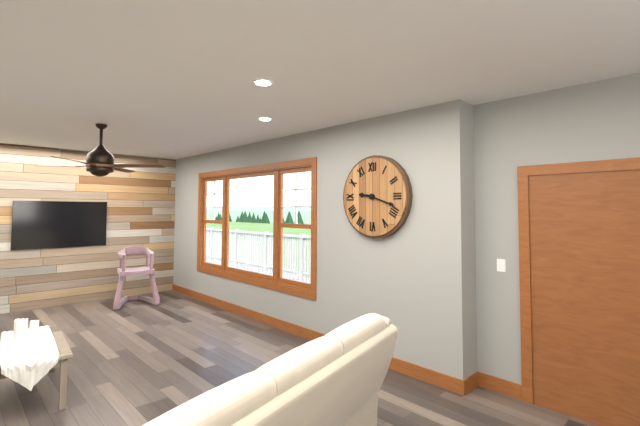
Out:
9.18
